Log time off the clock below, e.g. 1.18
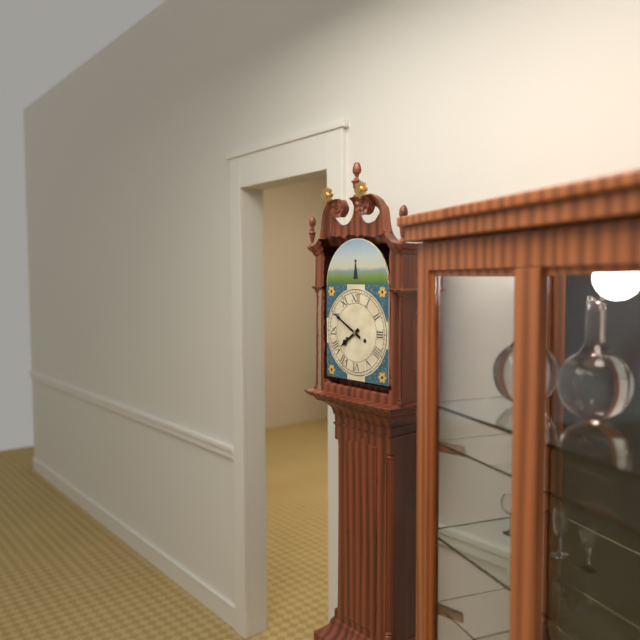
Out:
7.50
